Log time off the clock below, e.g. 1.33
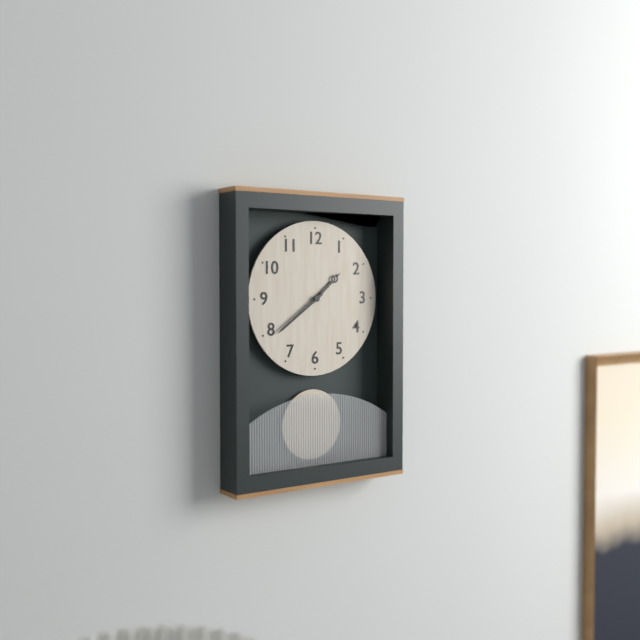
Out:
1.39
